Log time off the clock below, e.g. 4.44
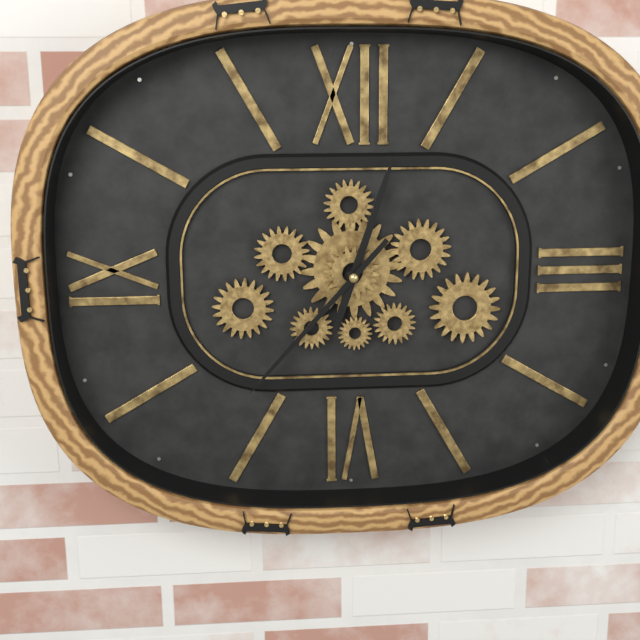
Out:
12.37
